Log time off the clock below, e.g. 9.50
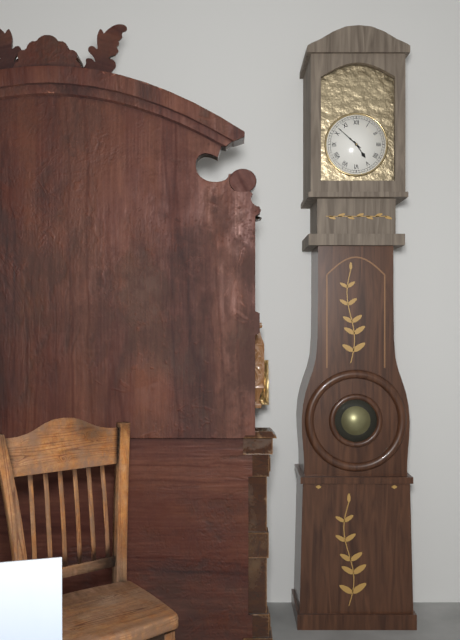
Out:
4.52
